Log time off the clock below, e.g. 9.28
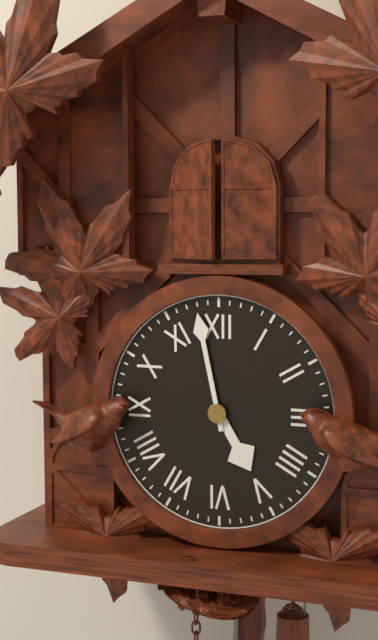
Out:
4.58
